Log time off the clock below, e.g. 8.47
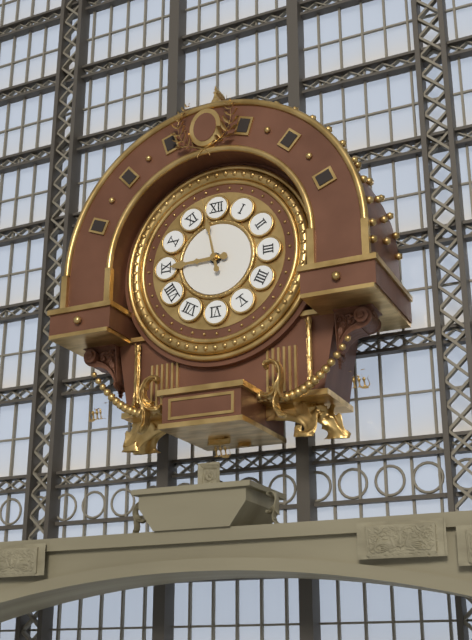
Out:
8.58
